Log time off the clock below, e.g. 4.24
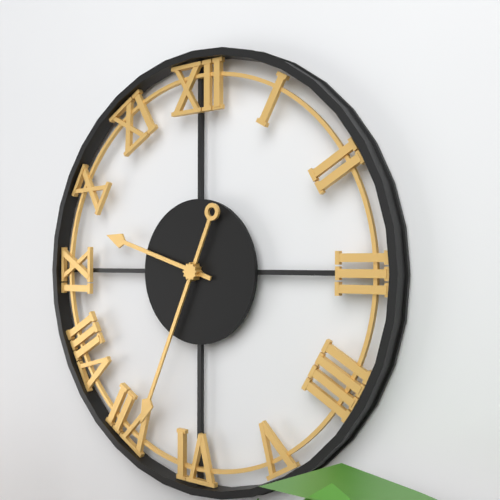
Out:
9.34
